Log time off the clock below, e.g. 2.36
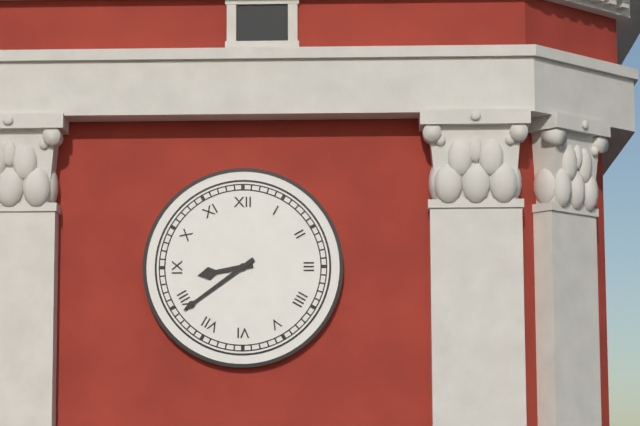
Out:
8.39
